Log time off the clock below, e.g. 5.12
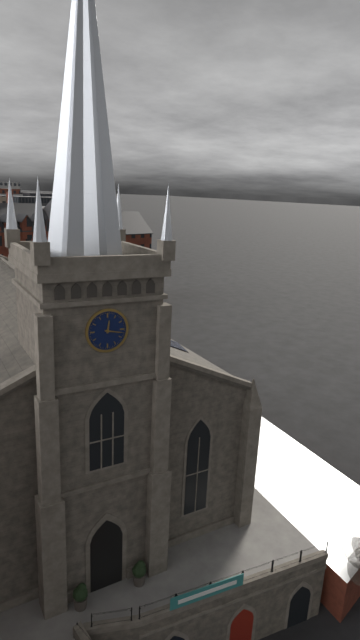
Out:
12.17
